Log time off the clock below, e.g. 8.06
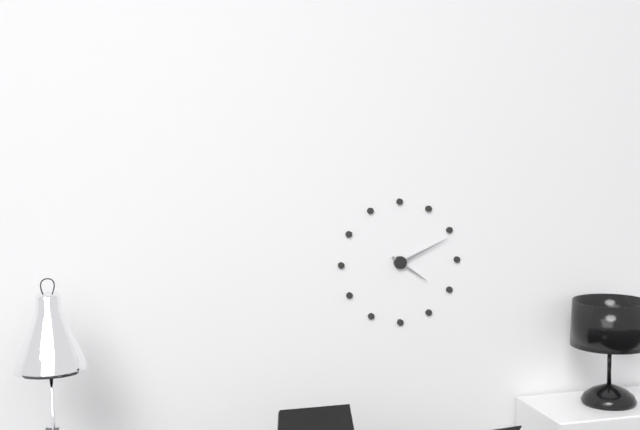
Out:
4.11
